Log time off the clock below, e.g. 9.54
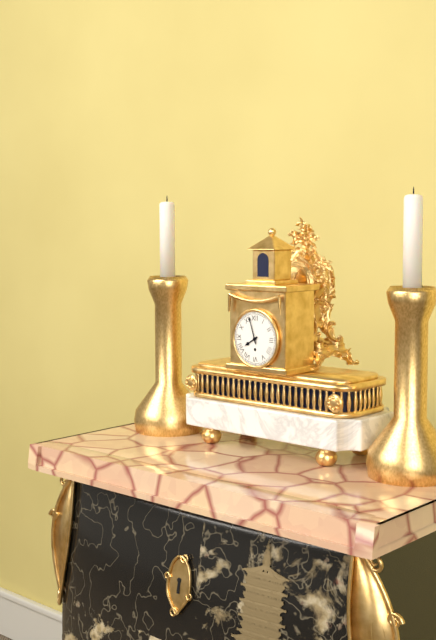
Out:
7.57
